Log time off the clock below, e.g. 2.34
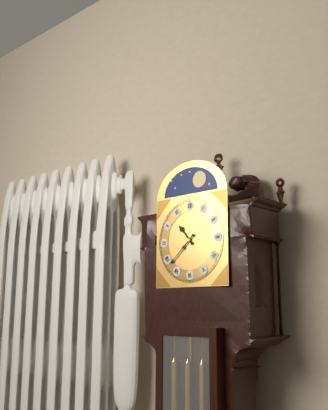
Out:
10.38
